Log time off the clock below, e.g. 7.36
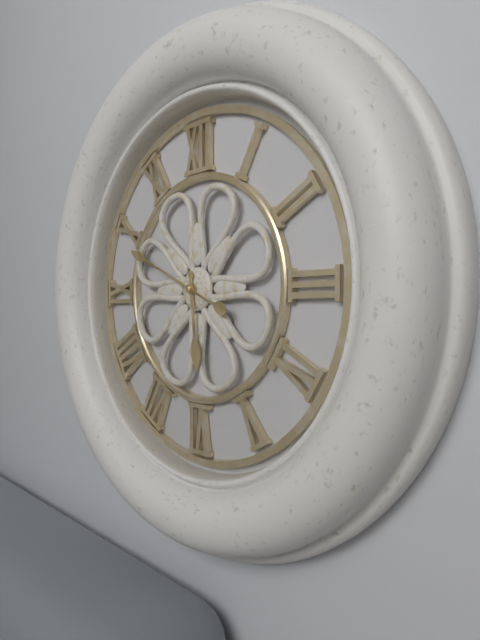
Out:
5.49
